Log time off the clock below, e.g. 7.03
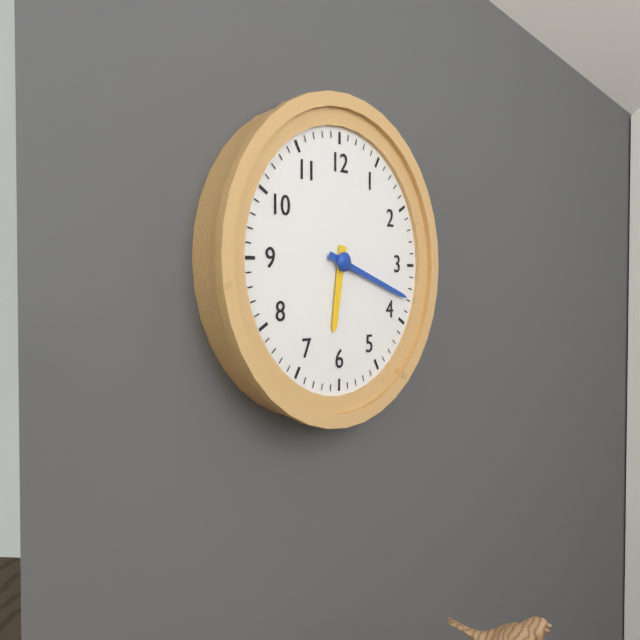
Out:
6.18
